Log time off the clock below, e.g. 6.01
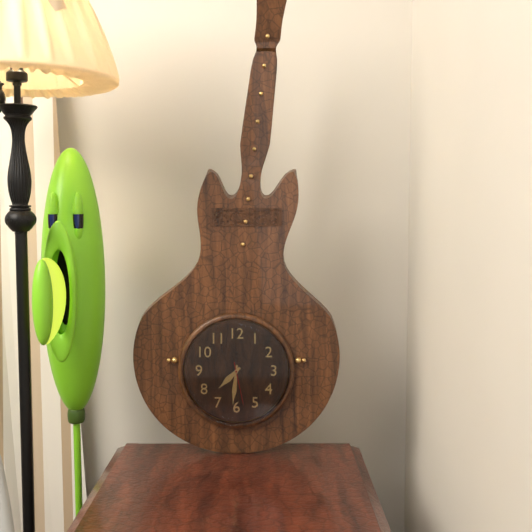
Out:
7.31
